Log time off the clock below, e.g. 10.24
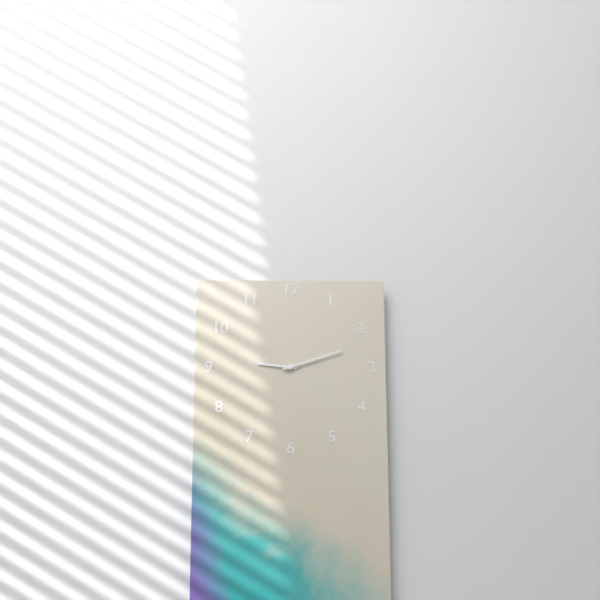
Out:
9.12
